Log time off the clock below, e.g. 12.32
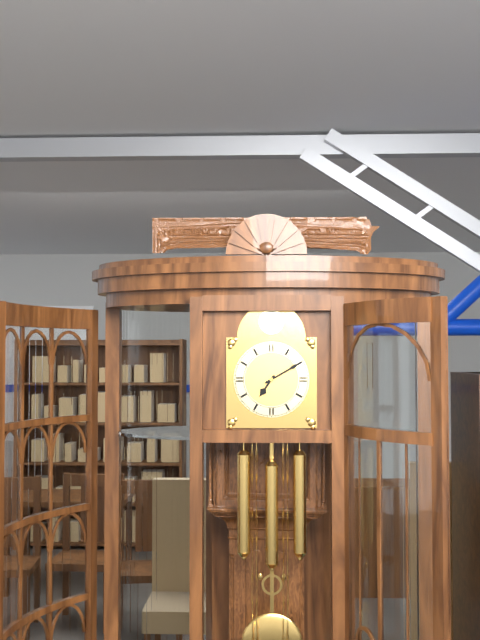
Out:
7.10
